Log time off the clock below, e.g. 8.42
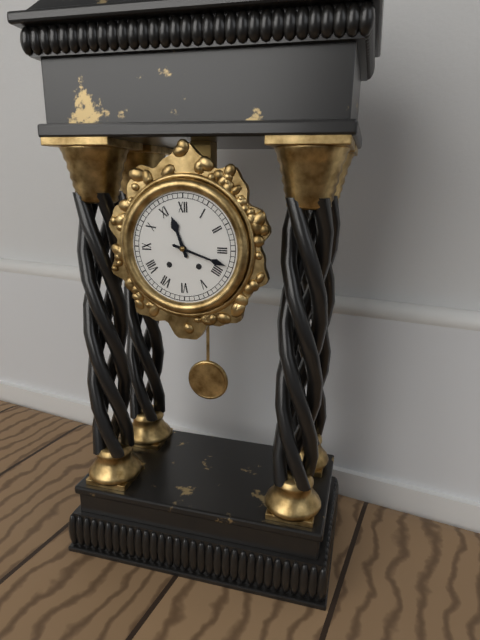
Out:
11.18
